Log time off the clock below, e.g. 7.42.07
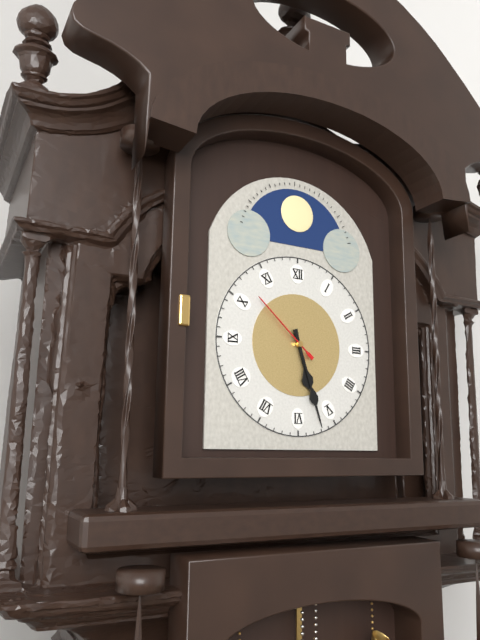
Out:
5.27.52
